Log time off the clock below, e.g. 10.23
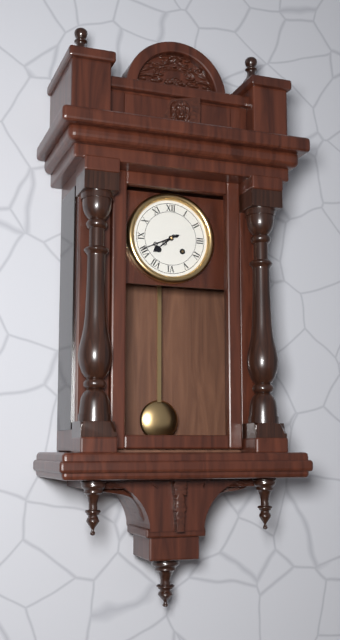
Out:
7.41
